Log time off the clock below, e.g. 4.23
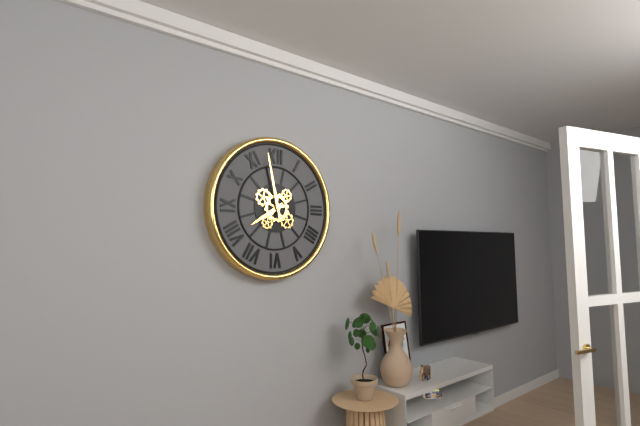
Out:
7.58
